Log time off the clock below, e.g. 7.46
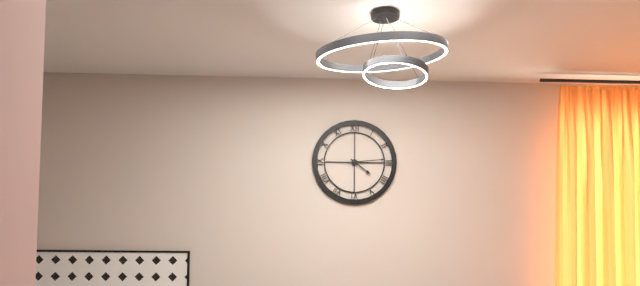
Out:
4.14
